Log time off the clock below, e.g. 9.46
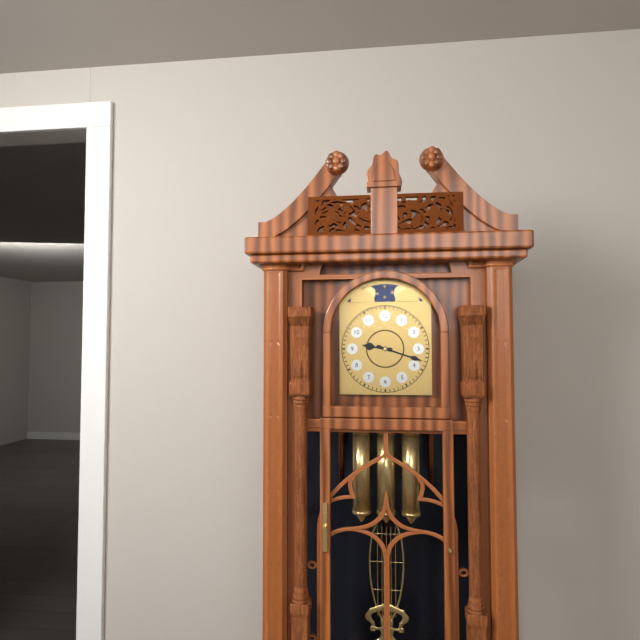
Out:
9.18
